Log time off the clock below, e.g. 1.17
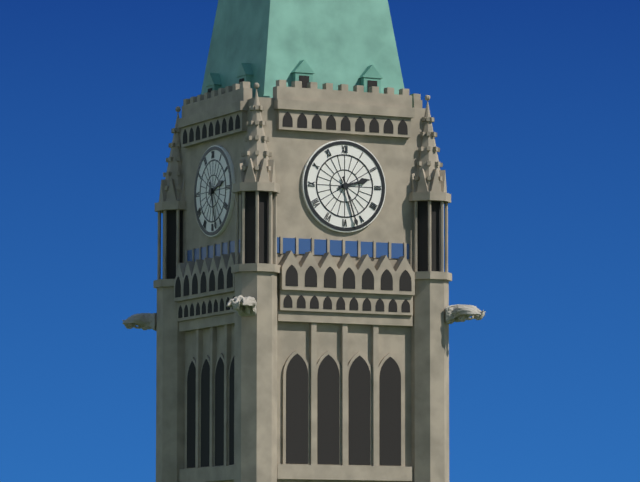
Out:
2.27
